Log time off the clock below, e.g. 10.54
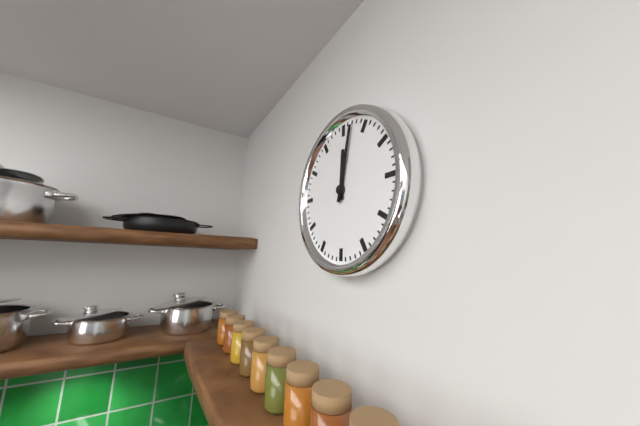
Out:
12.02
